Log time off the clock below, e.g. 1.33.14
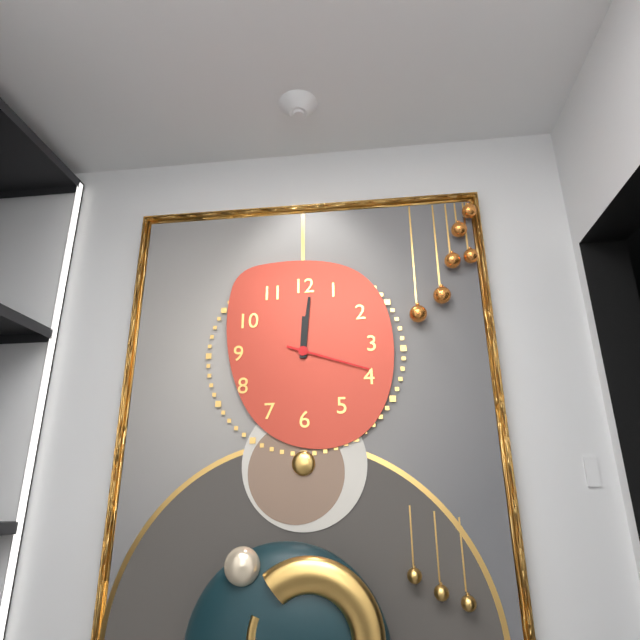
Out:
12.01.18
